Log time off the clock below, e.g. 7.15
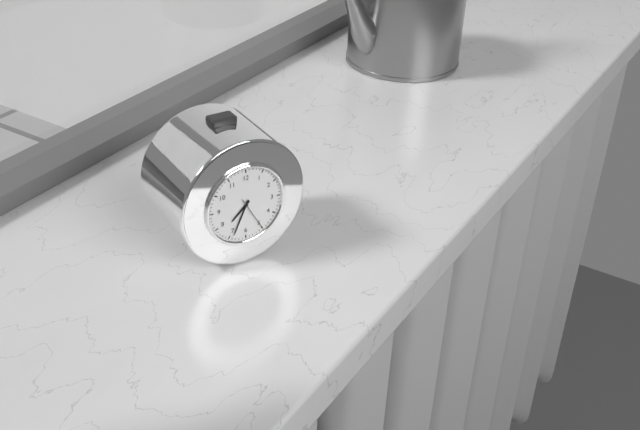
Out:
7.34
